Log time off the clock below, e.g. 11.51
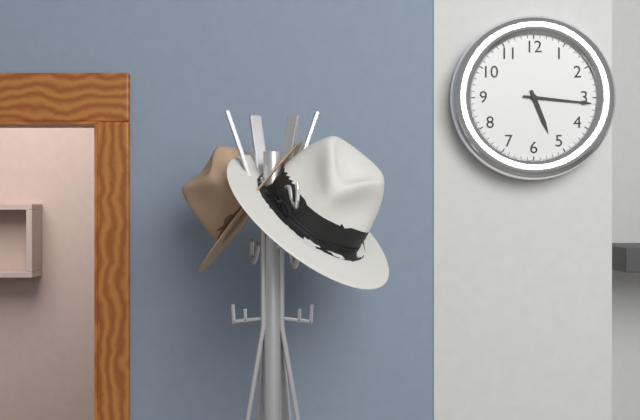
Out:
5.16
